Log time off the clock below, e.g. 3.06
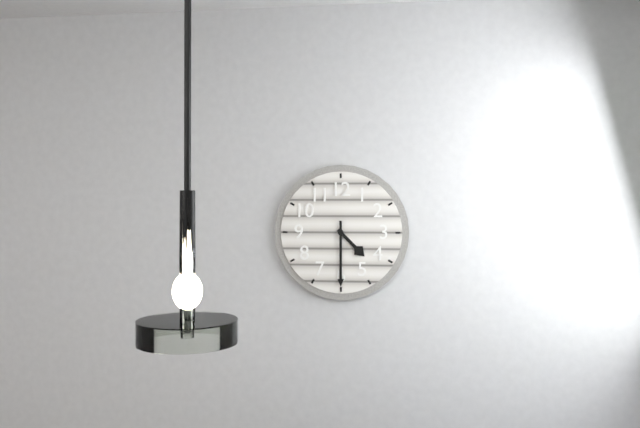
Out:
4.30
